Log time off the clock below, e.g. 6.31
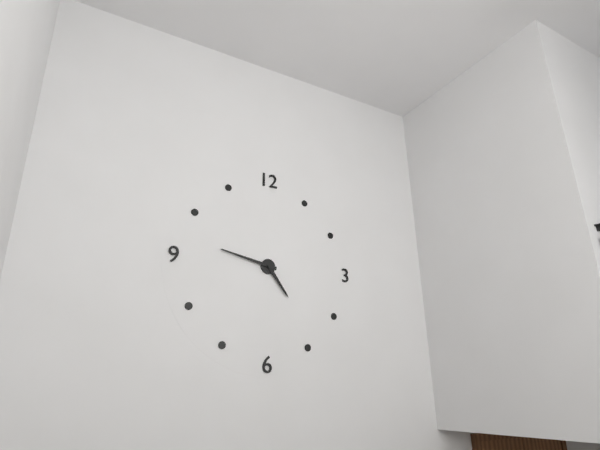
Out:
4.47
